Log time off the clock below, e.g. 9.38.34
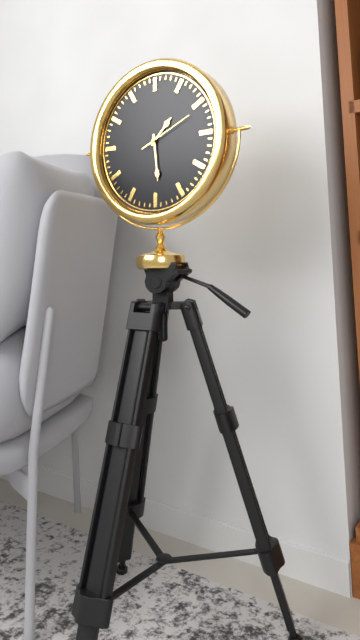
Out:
1.29.11
